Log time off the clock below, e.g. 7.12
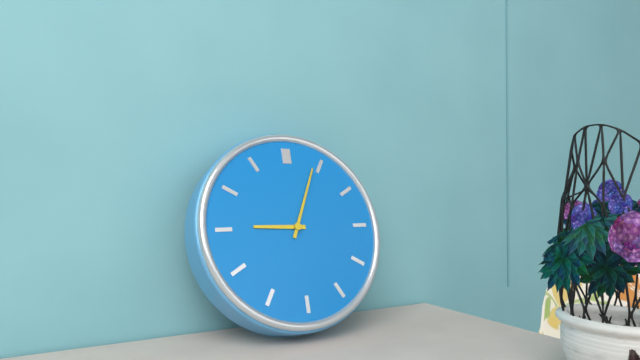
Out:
9.04
